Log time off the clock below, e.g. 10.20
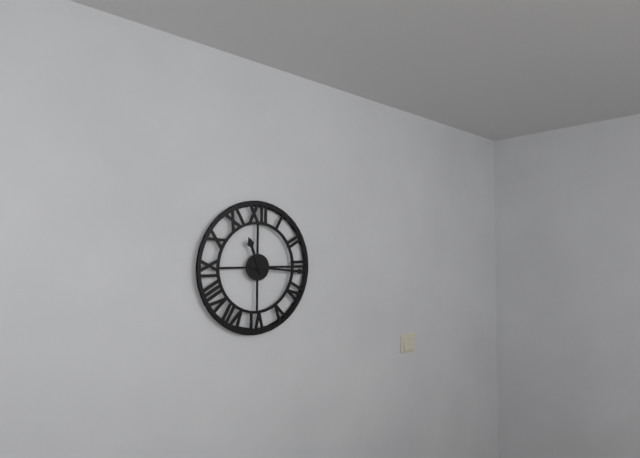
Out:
11.16
